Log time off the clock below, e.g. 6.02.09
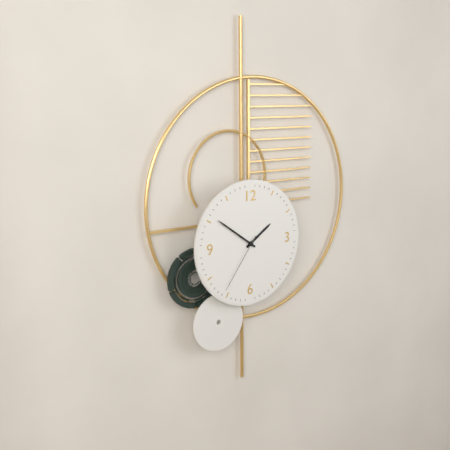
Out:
1.51.36
